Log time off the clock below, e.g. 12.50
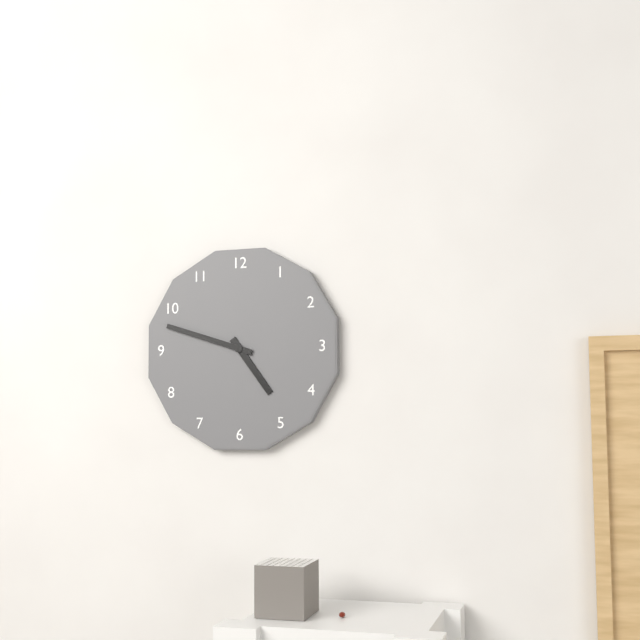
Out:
4.48
